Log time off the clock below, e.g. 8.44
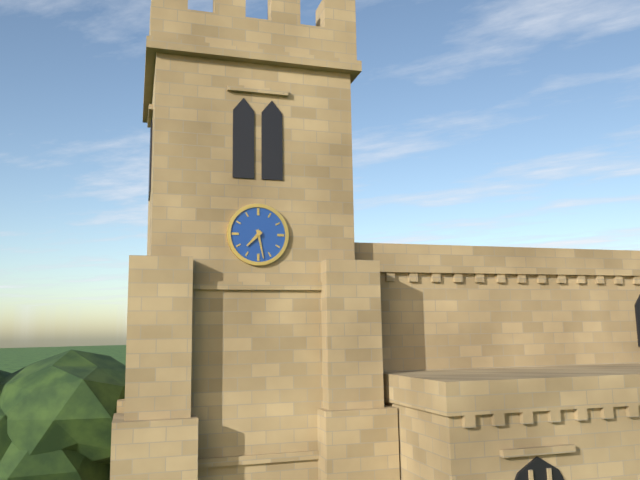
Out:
7.28
